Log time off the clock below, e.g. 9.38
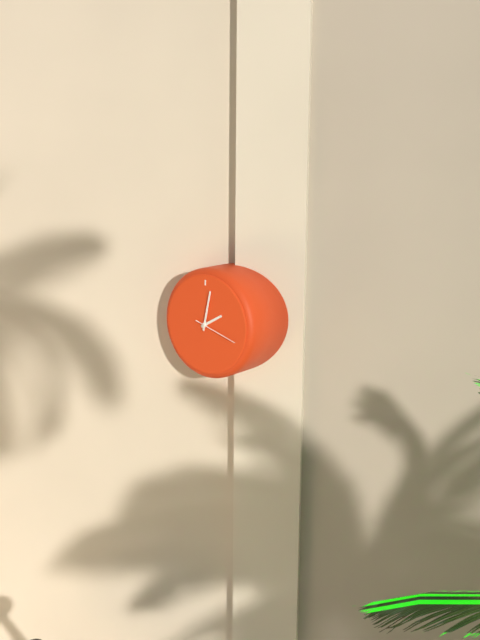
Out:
2.02
